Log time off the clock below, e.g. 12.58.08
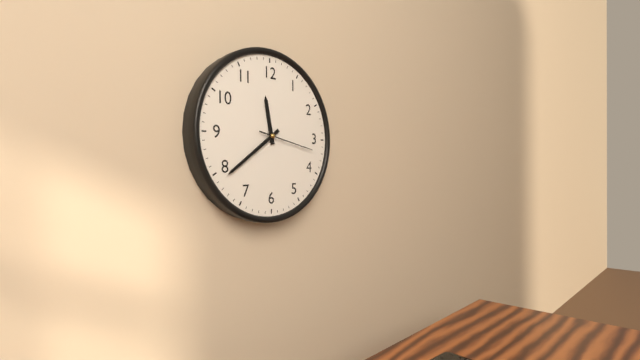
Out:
11.39.17
